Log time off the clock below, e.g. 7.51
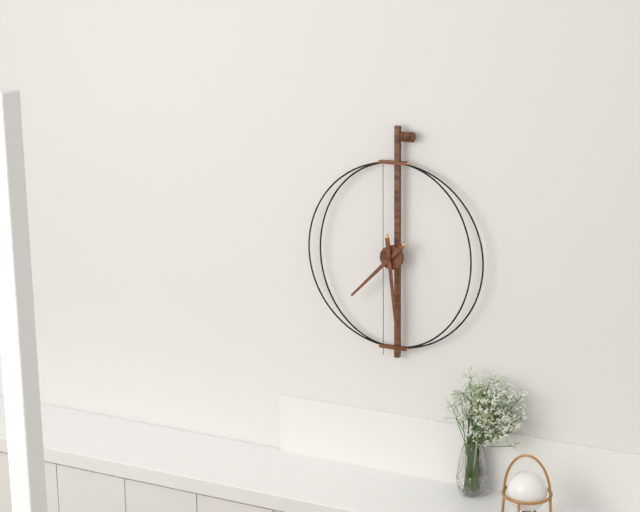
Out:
7.29
